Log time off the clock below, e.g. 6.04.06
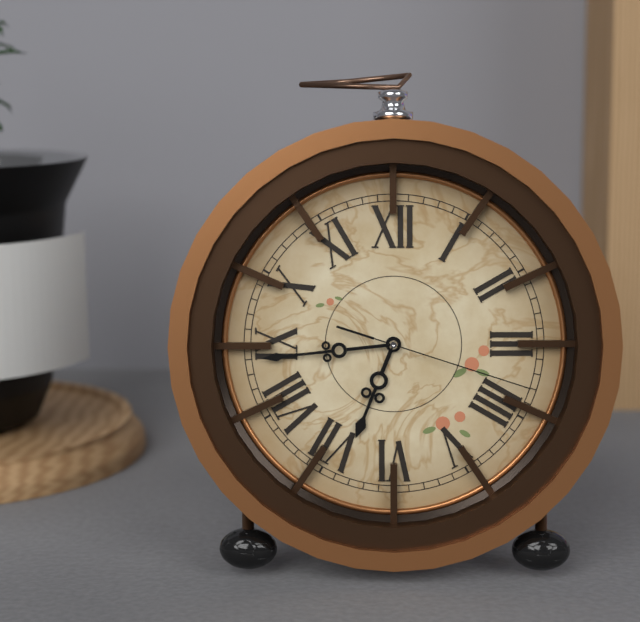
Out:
6.44.18
